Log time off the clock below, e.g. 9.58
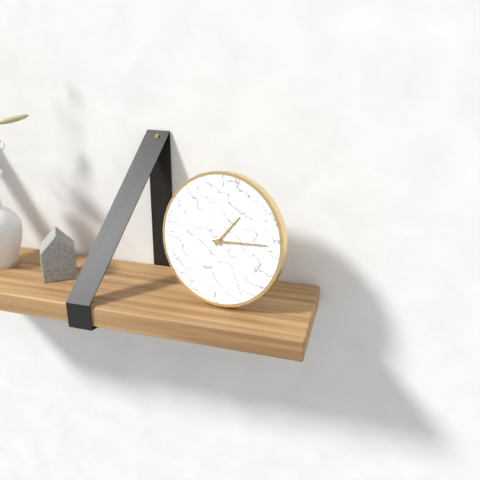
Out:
1.14
